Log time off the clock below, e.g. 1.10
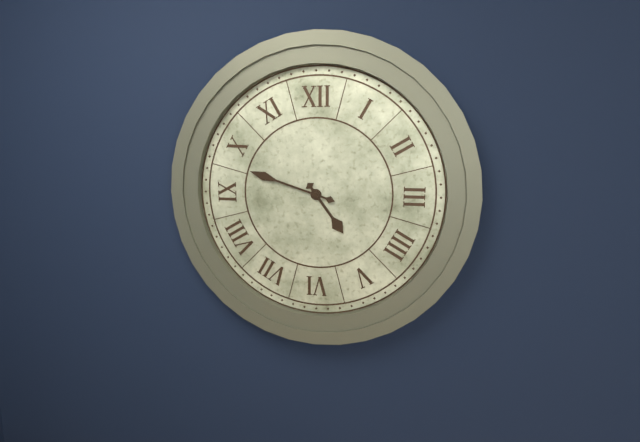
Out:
4.48
